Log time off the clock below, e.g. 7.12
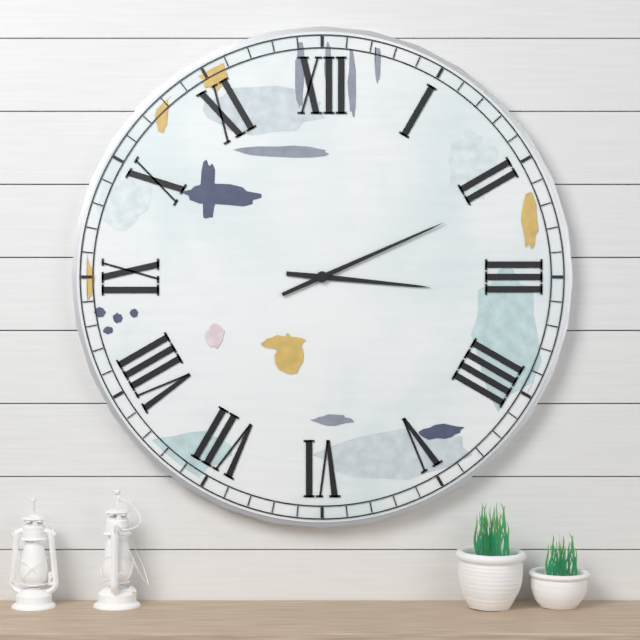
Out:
3.11
